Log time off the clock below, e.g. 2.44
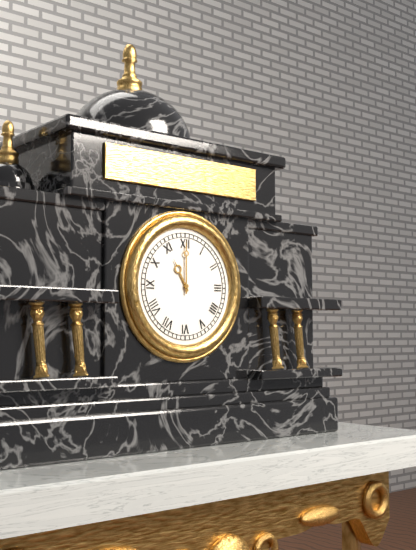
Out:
11.00
